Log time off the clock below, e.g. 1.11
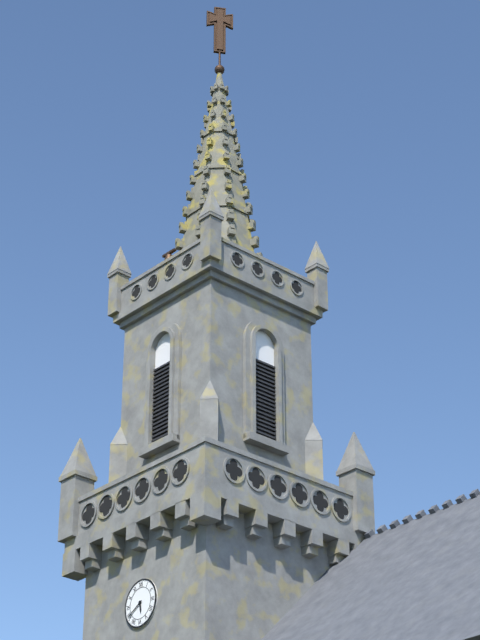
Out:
5.40
